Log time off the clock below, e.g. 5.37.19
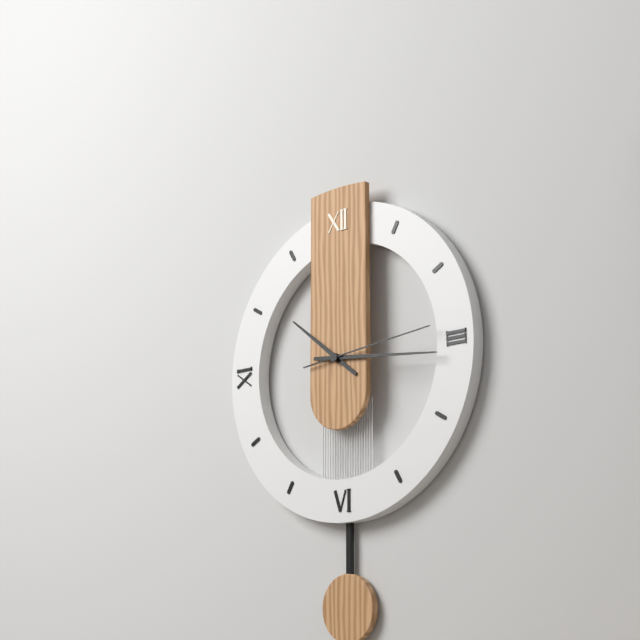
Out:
10.16.14
